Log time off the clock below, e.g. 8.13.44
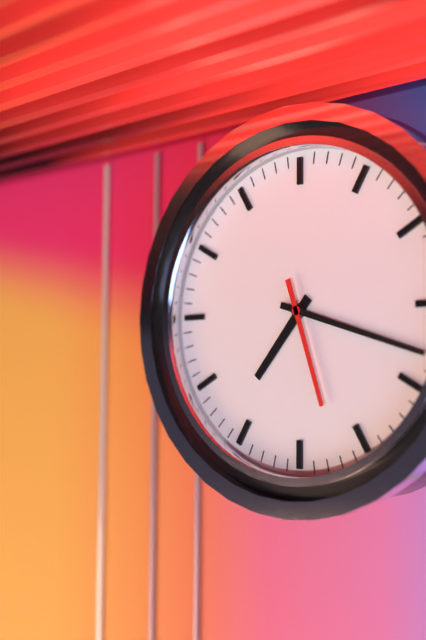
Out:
7.18.27
